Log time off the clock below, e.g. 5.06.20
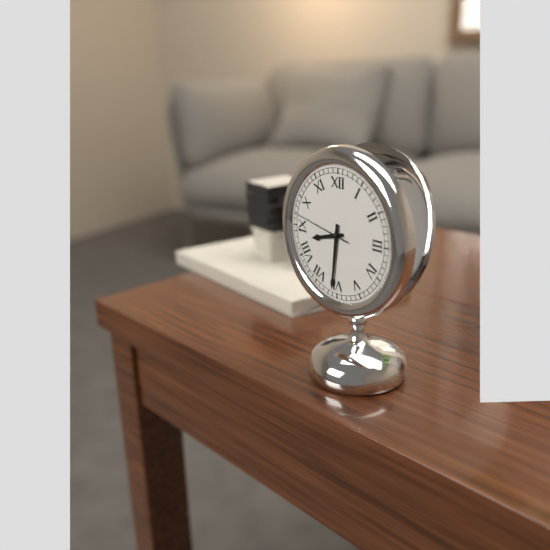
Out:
8.31.47
